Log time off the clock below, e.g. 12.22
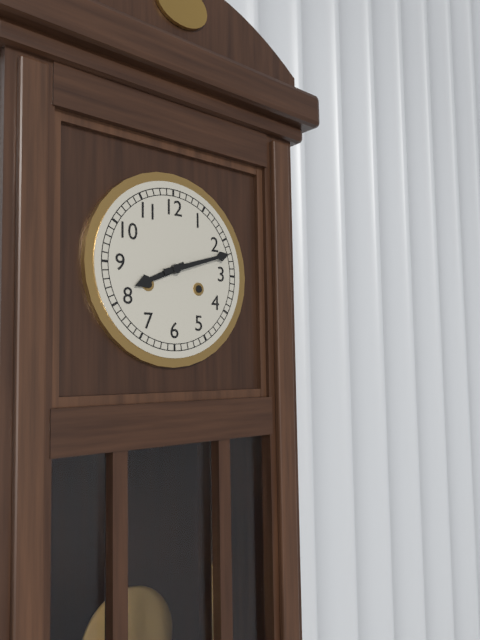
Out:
8.12
